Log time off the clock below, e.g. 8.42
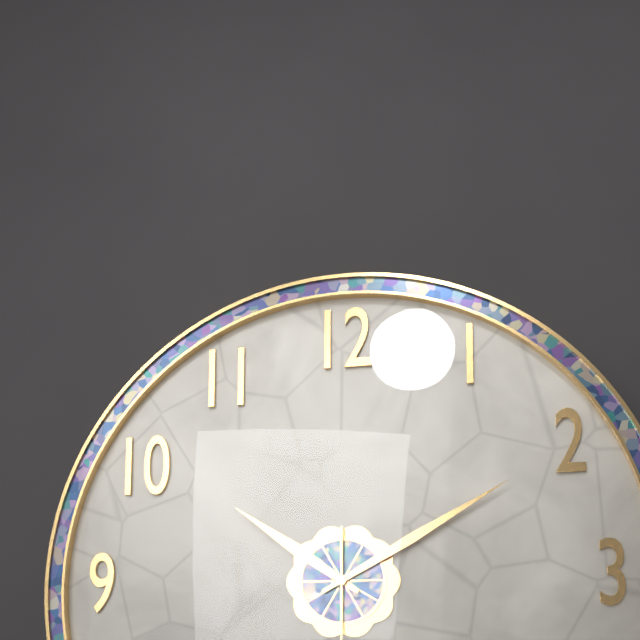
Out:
10.10
